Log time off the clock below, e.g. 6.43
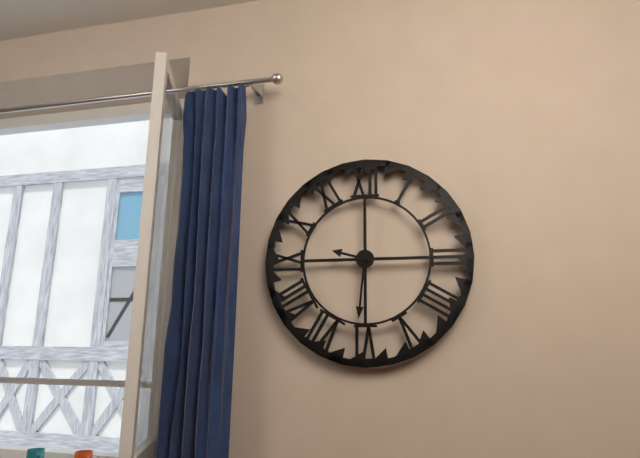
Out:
9.31
